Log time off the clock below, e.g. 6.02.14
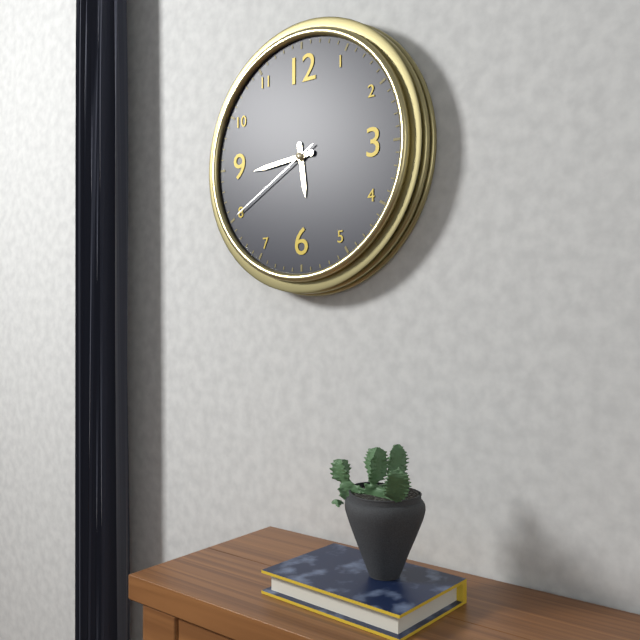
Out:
5.44.40
